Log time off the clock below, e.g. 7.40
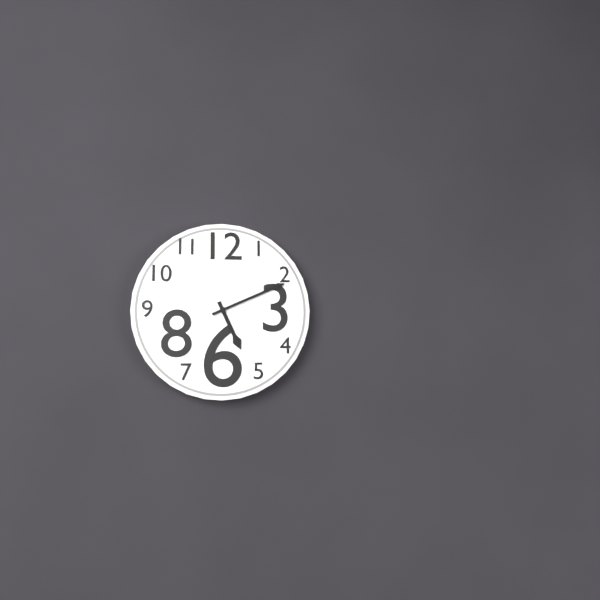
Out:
5.11
